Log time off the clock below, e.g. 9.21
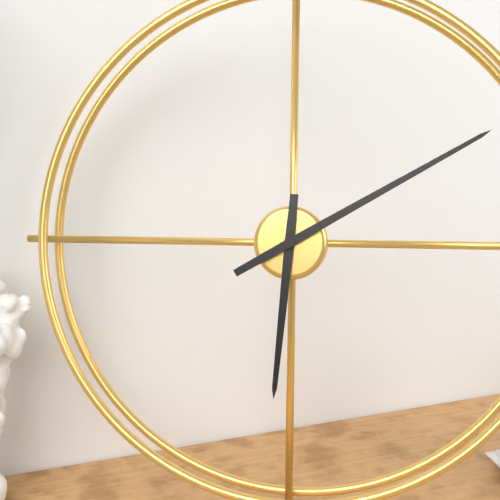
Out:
6.10
